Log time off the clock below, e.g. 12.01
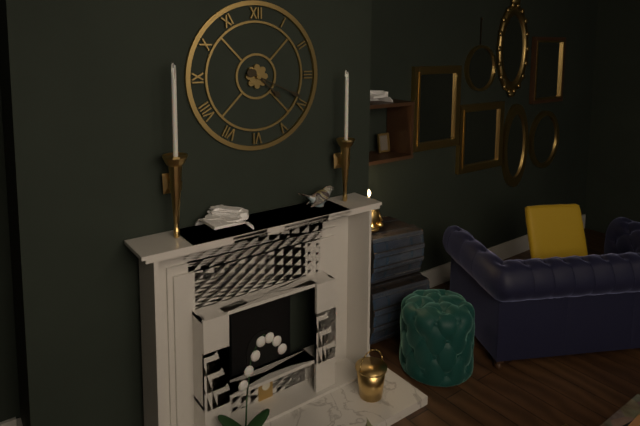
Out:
4.19
